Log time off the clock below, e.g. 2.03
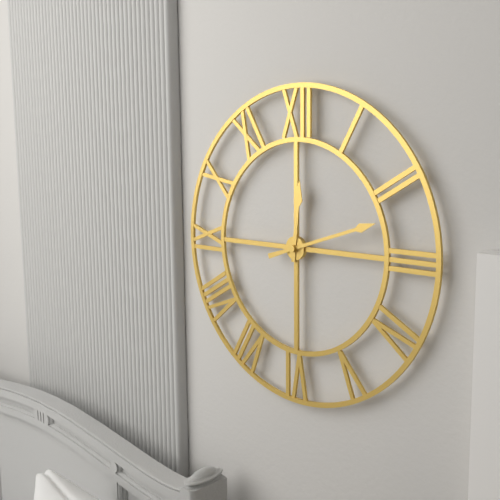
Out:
12.12
